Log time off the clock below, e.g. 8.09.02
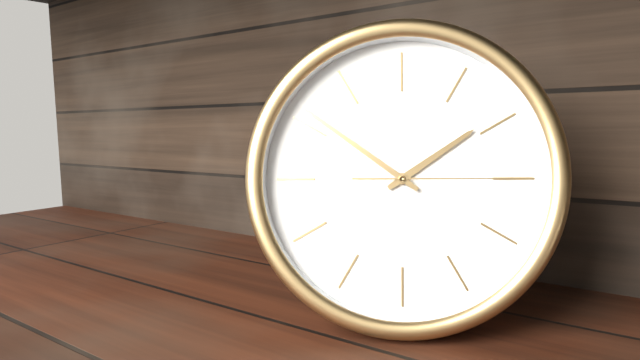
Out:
1.51.15
